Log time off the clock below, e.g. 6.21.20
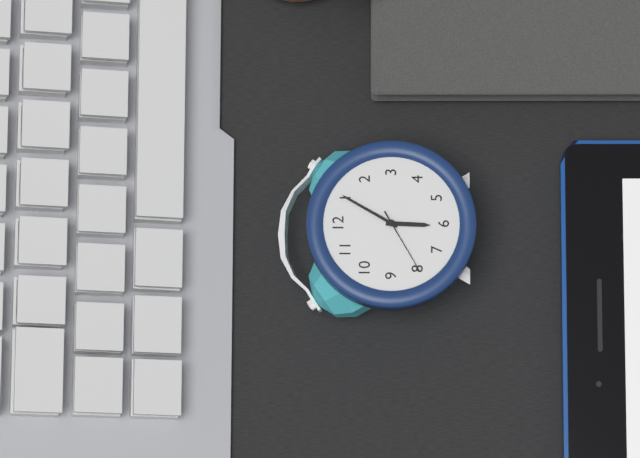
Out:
6.05.40
